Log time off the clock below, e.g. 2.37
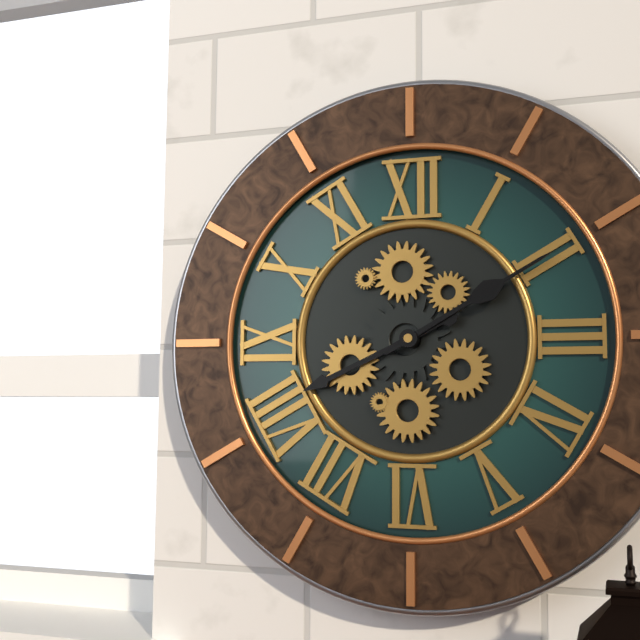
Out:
8.10
